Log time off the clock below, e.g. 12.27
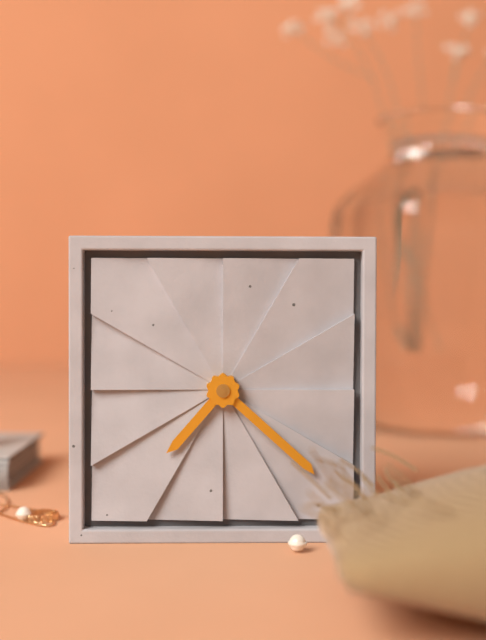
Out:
7.22
